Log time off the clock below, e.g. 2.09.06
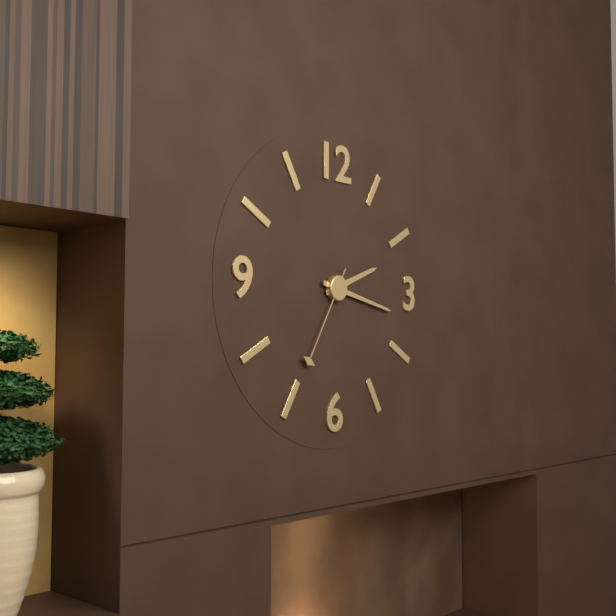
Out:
2.17.35
